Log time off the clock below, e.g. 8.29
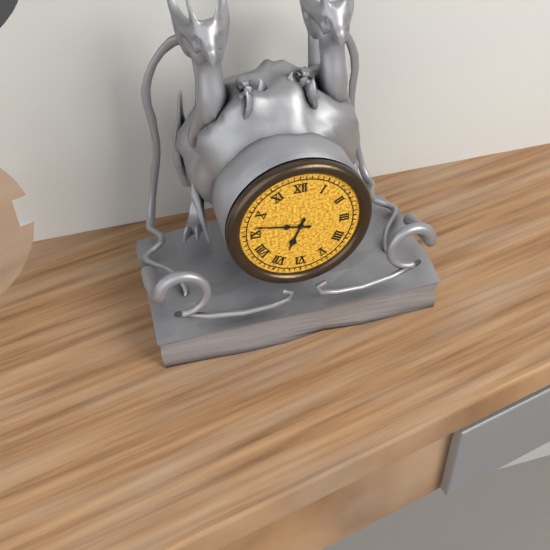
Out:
6.47
